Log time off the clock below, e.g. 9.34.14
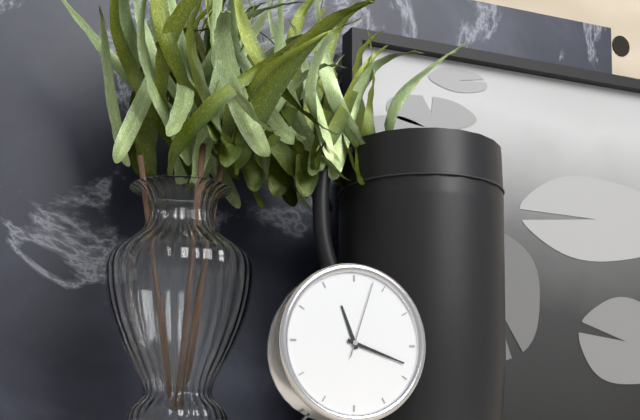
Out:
11.18.03
